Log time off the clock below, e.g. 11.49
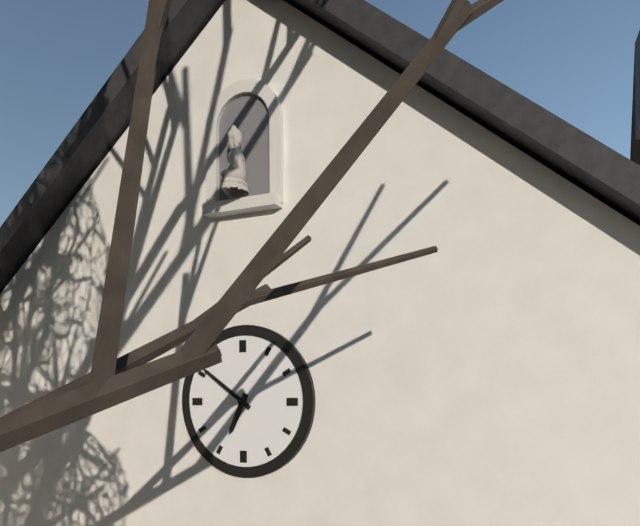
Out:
6.51
